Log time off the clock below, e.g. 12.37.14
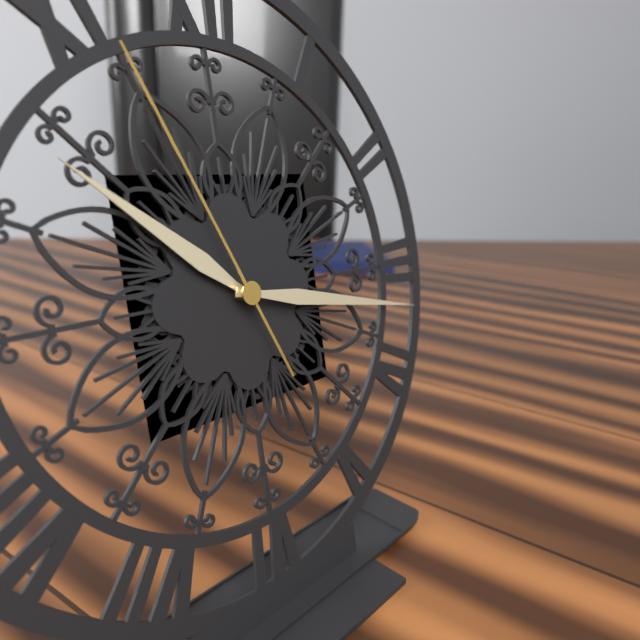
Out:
10.17.56
